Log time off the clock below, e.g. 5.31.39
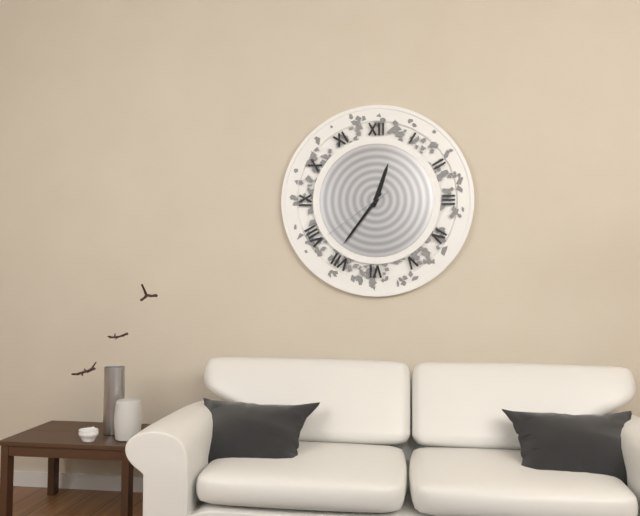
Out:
12.36.39
